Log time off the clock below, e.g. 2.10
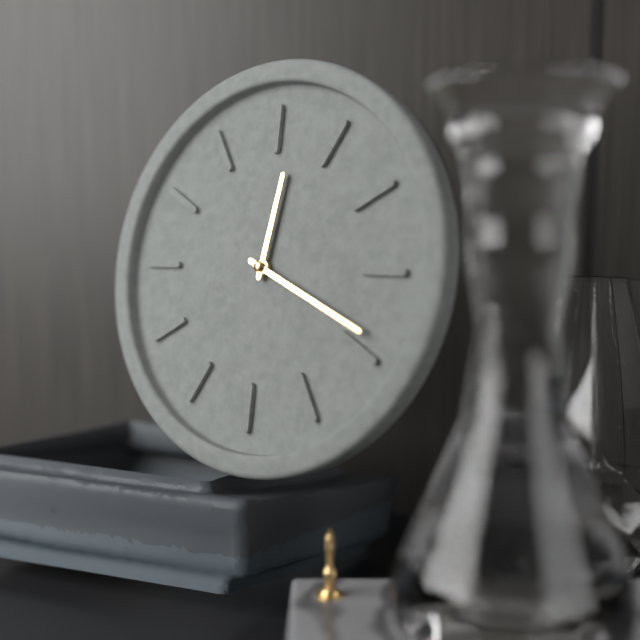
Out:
12.19
